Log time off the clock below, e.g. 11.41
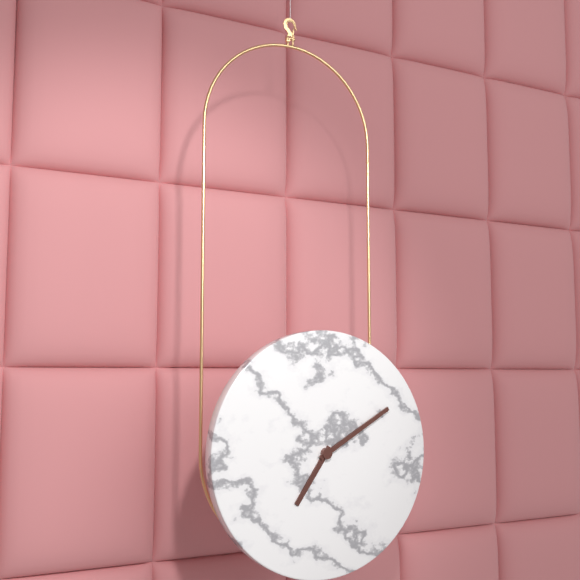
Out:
7.10
